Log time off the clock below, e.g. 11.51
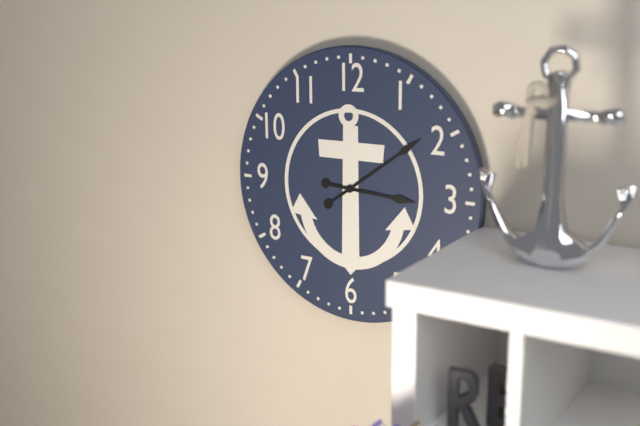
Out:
3.09
